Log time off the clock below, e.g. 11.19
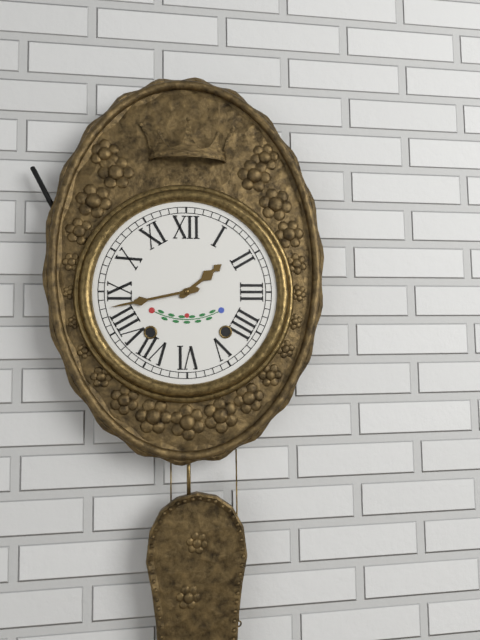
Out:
1.43
